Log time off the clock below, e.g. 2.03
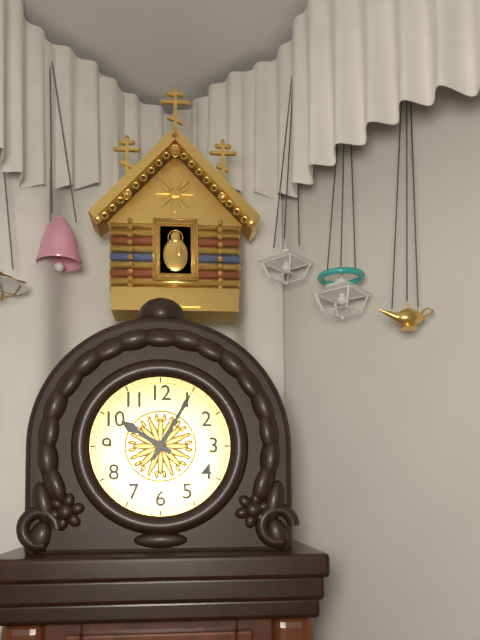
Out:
10.05
